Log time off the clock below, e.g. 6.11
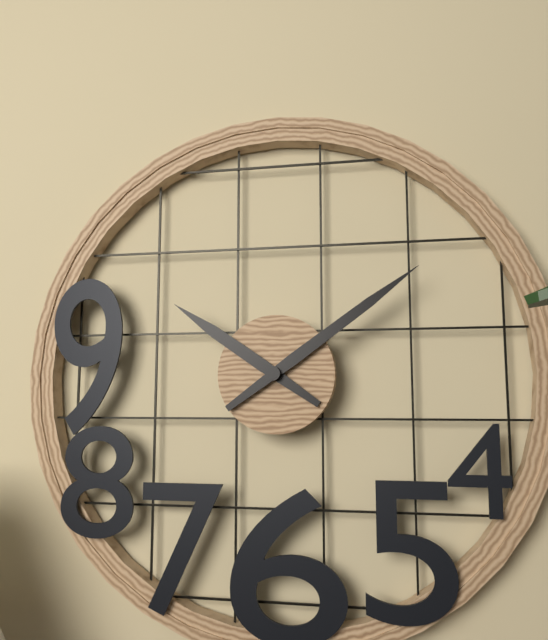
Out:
10.09
